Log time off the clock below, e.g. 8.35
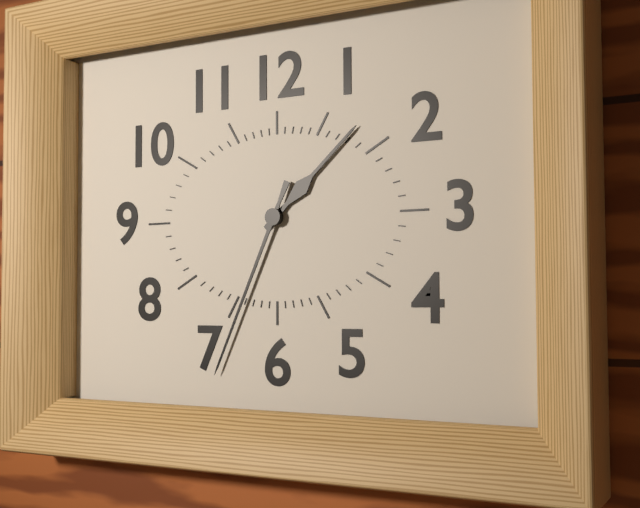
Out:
1.34
